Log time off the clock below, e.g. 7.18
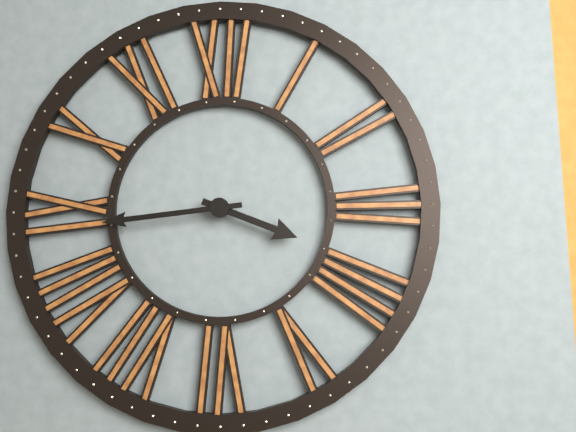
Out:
3.44
